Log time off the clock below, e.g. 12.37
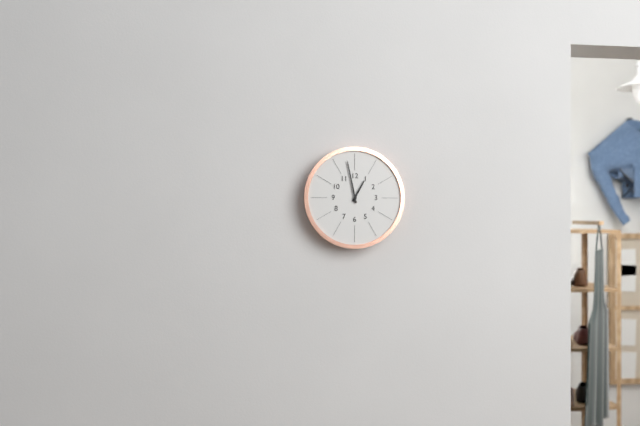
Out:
12.58
